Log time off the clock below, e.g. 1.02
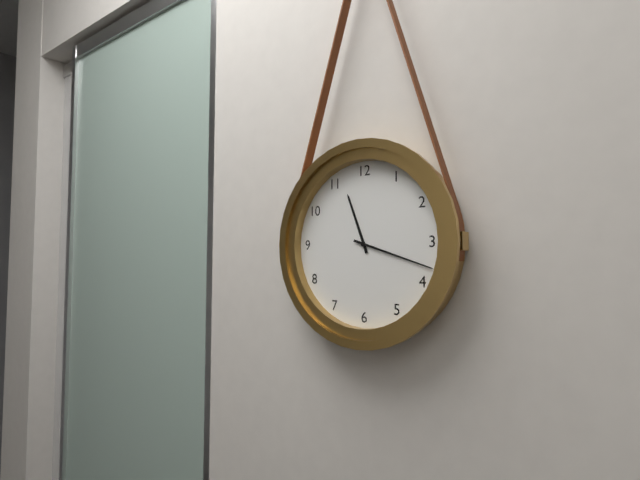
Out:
11.18
